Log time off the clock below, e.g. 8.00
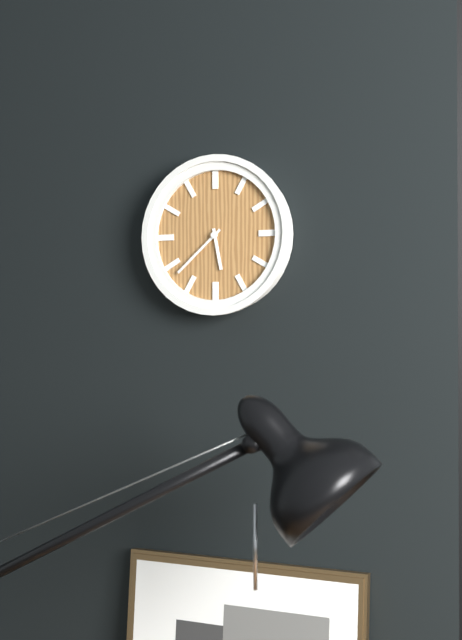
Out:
5.38
